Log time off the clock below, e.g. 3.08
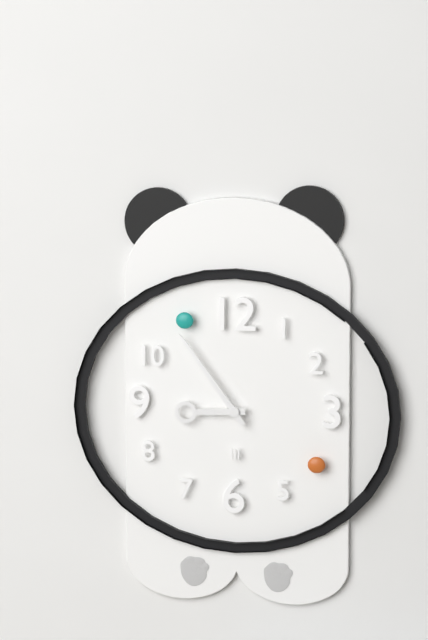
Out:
8.54
